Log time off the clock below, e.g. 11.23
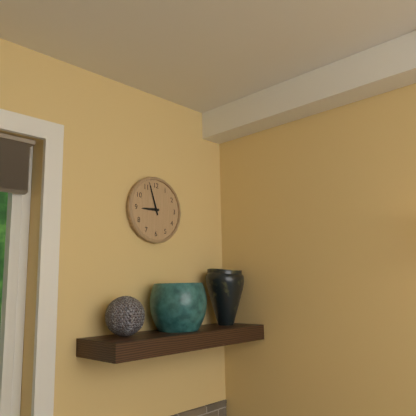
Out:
8.57
